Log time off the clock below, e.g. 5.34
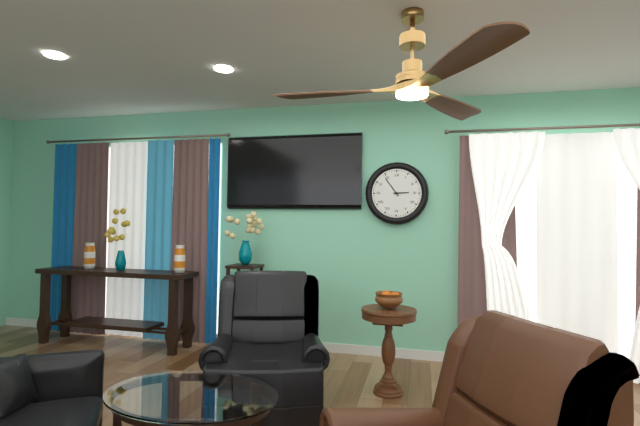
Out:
2.54
